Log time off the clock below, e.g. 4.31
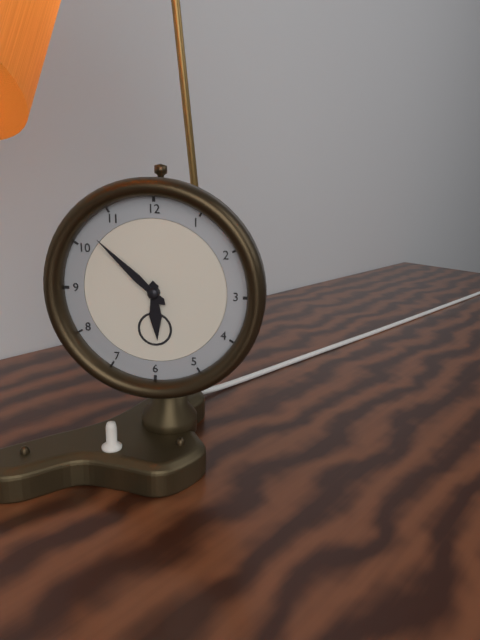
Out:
5.52
